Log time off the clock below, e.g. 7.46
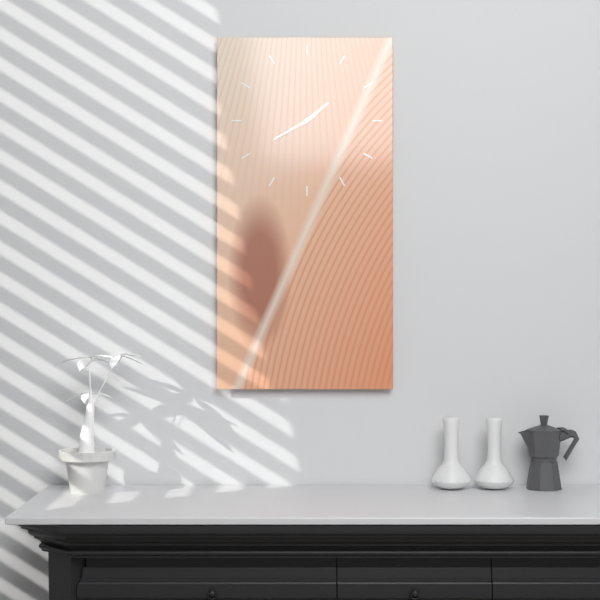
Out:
1.40
